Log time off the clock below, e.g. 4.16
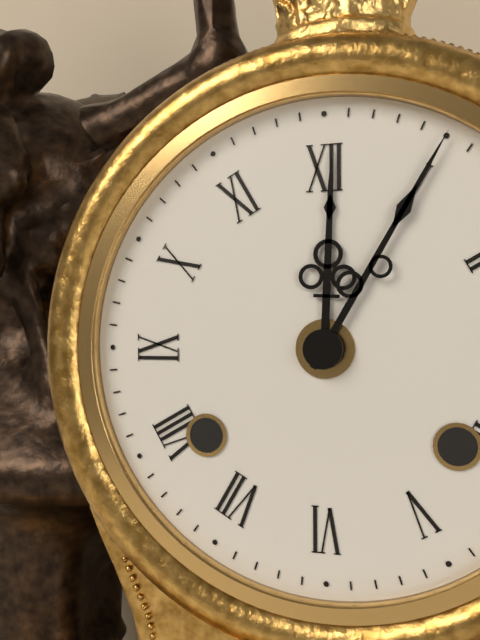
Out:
12.05
